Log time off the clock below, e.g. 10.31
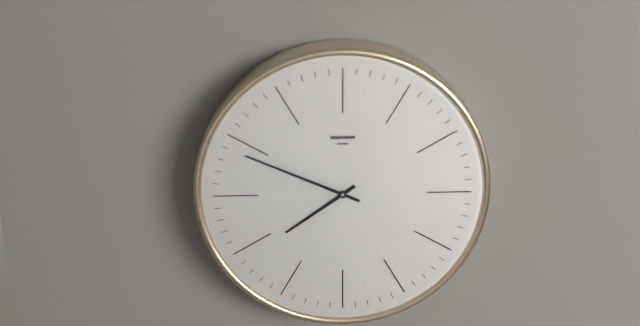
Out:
7.49
